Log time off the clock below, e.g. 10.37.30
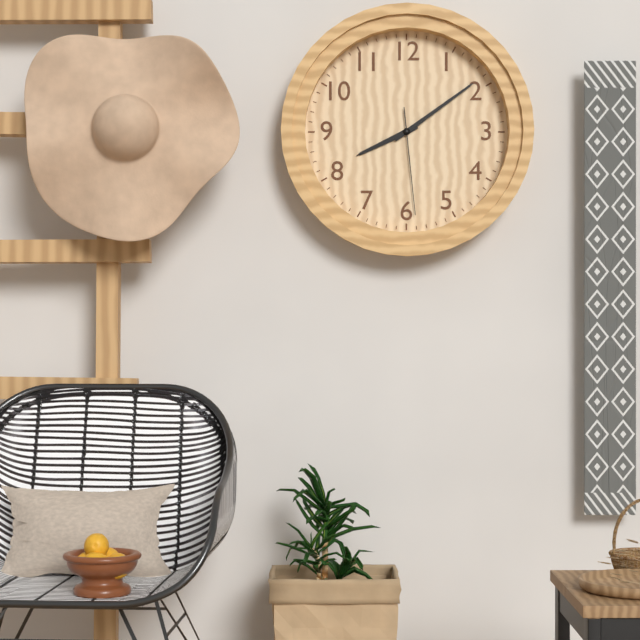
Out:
8.09.29
